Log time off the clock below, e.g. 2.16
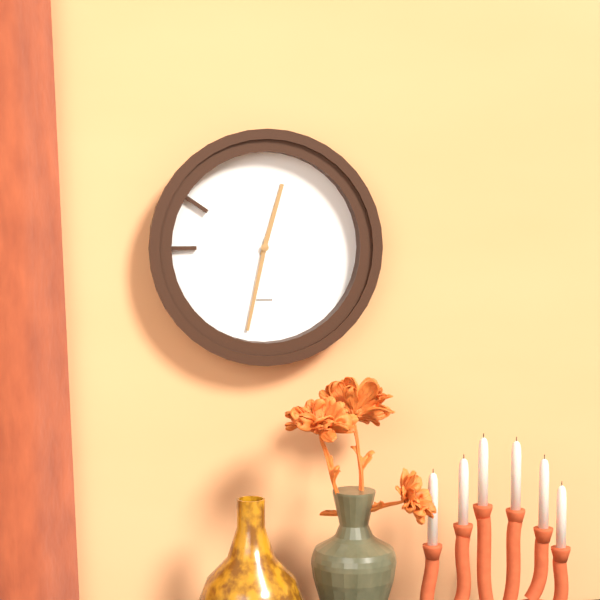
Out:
12.32
